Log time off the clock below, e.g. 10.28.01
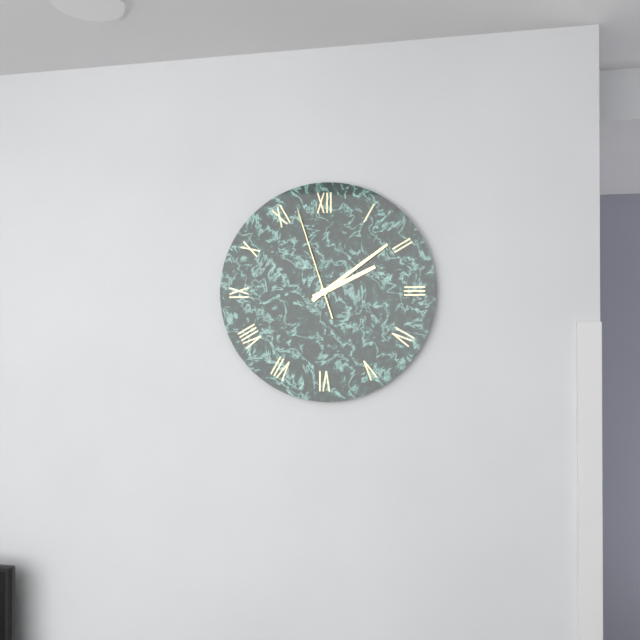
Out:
2.09.57
